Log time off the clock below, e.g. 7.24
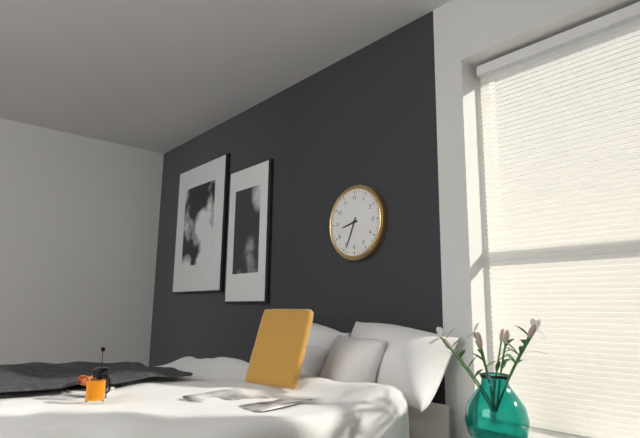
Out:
8.34
